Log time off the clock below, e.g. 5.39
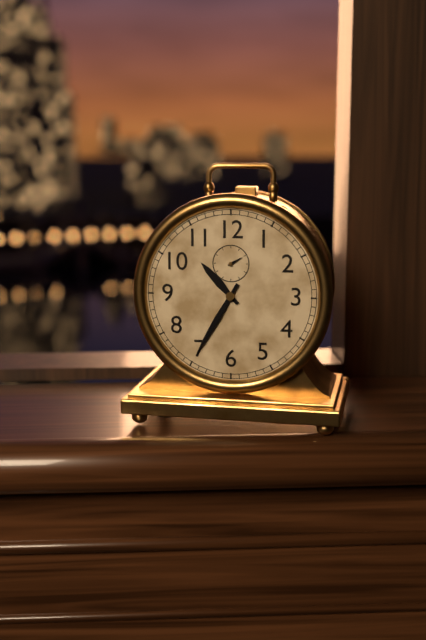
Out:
10.35
